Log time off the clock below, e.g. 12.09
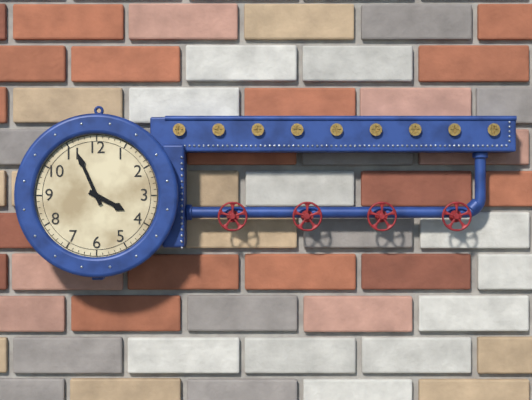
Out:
3.56
